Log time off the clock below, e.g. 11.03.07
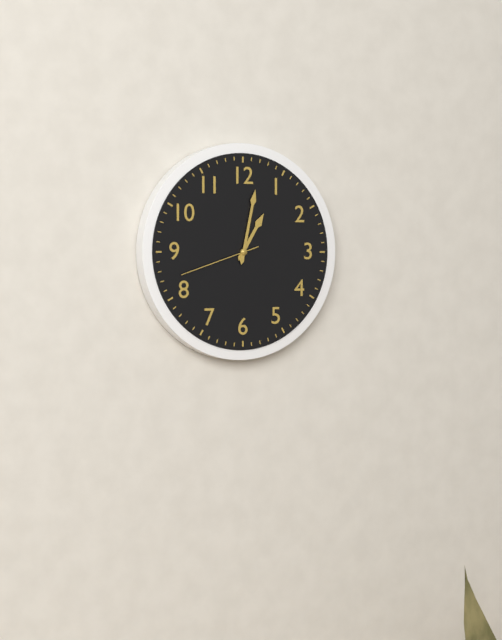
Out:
1.02.42
